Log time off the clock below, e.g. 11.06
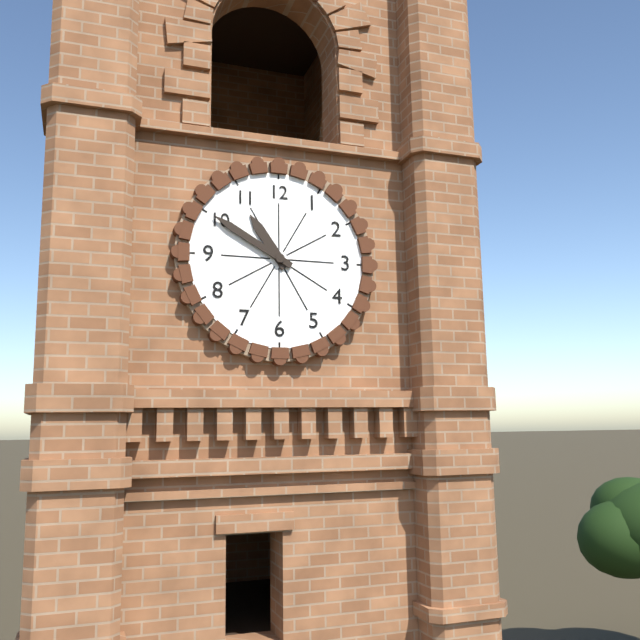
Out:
10.50
